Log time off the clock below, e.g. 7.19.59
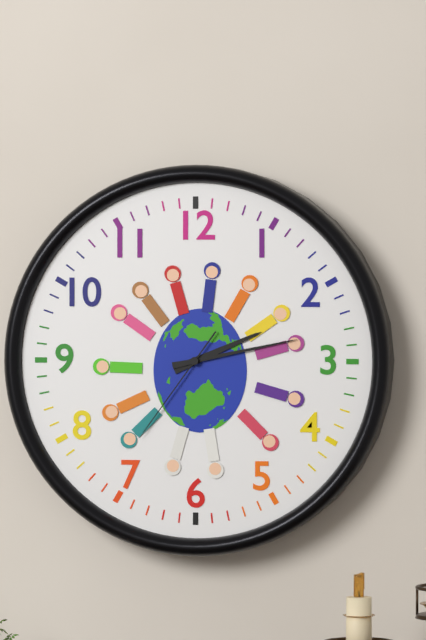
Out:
2.13.36
